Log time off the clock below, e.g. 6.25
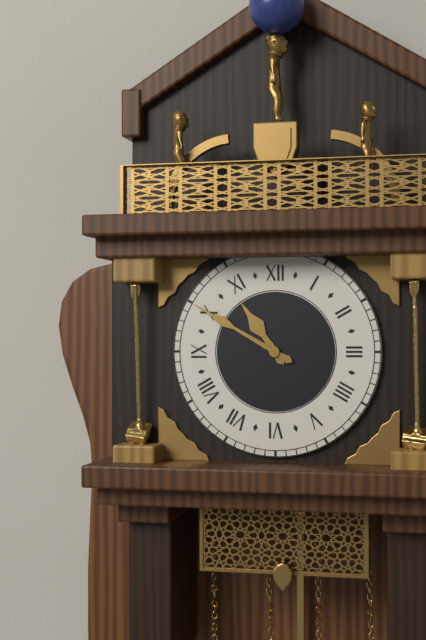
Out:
10.50
